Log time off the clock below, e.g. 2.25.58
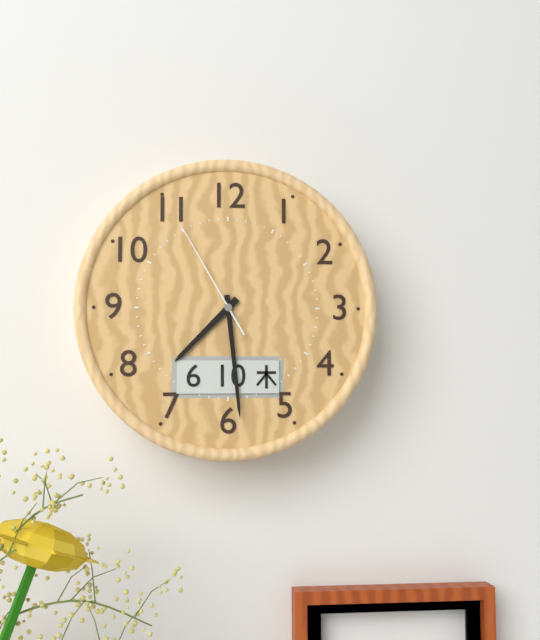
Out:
7.29.55
